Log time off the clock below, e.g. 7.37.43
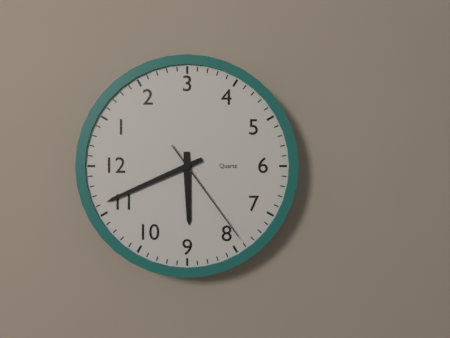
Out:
8.56.39
